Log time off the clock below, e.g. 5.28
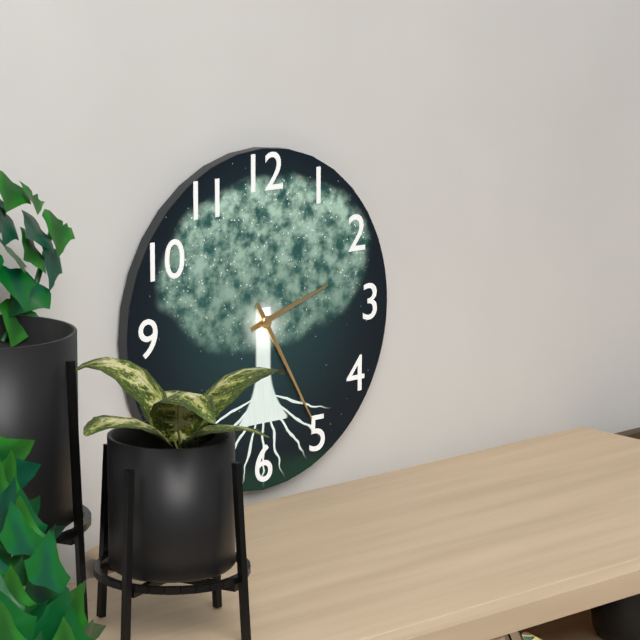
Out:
2.25
